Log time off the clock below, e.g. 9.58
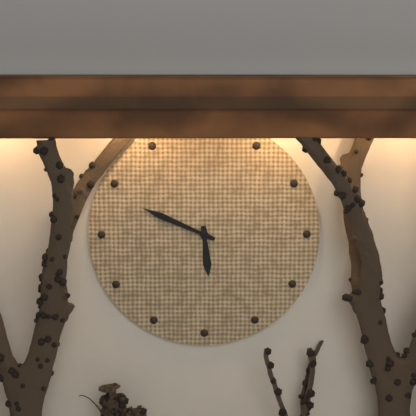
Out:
5.49
